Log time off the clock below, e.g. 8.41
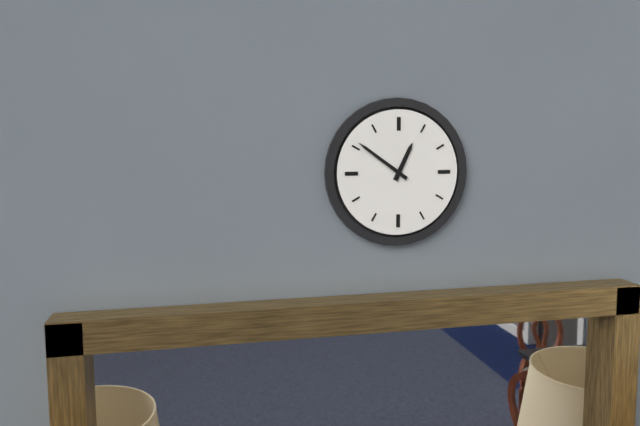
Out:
12.51
